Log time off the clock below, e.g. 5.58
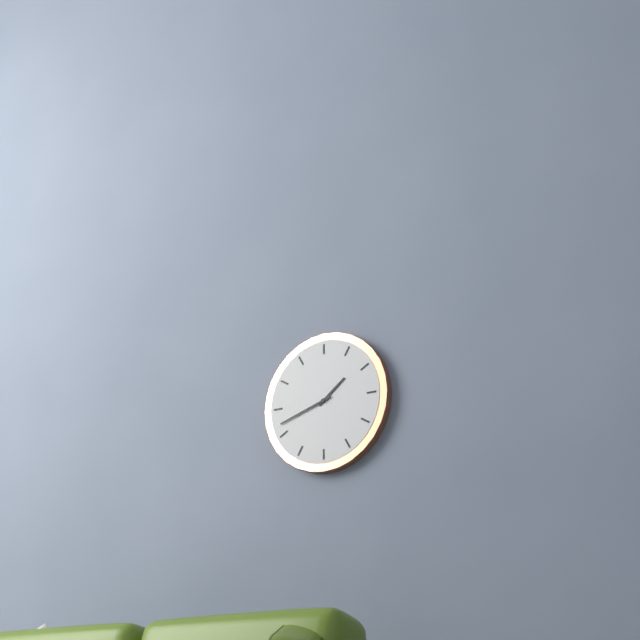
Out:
1.42
